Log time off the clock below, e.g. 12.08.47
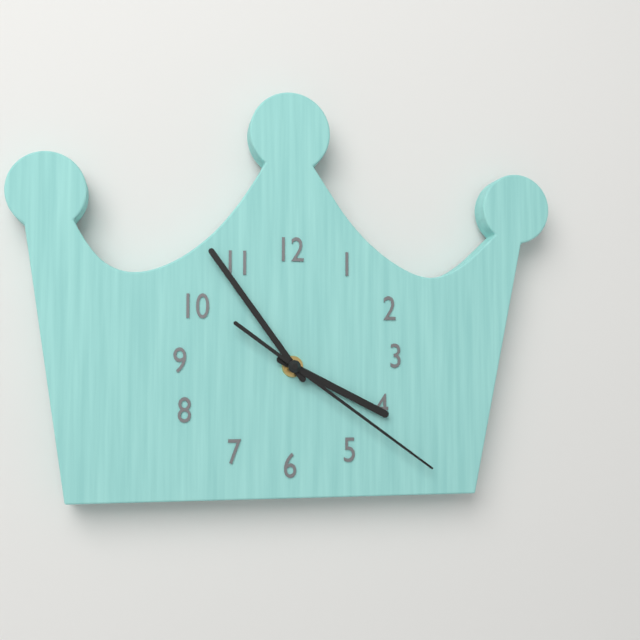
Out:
3.54.21
